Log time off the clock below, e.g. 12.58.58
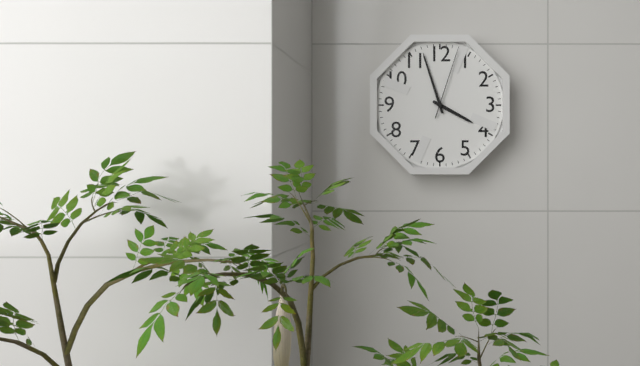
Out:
3.57.03
